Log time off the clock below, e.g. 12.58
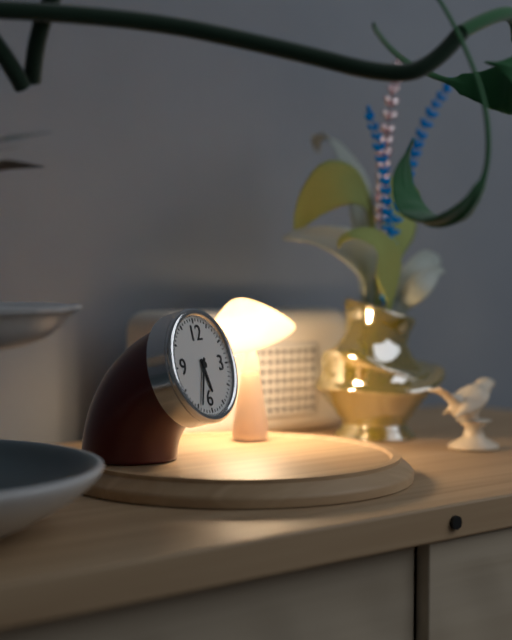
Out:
5.34
